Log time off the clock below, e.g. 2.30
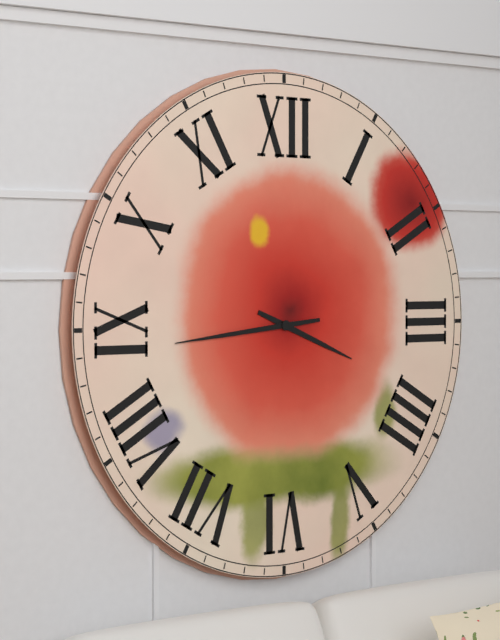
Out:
3.44
